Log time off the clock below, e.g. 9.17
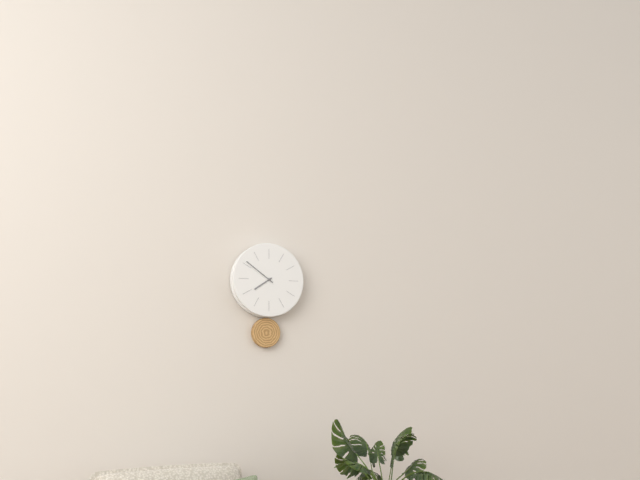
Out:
7.51
